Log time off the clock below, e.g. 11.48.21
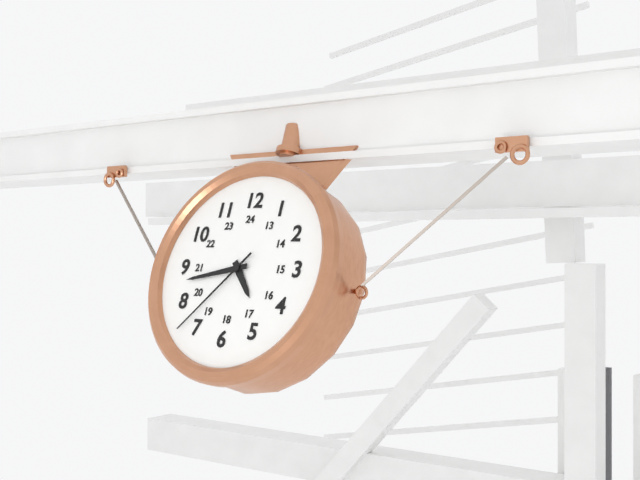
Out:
4.43.37
